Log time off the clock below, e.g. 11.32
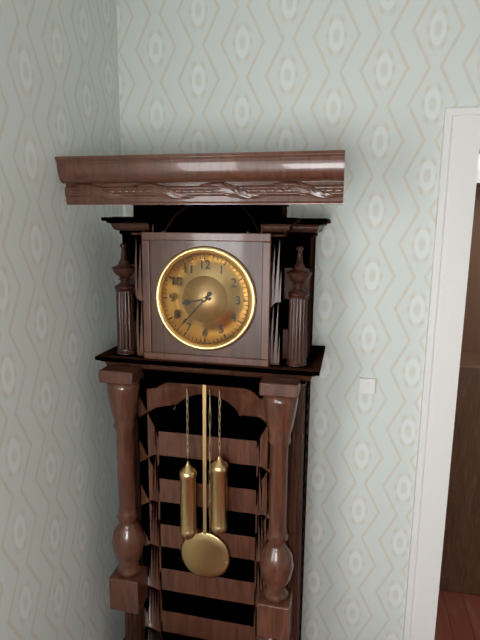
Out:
8.37
